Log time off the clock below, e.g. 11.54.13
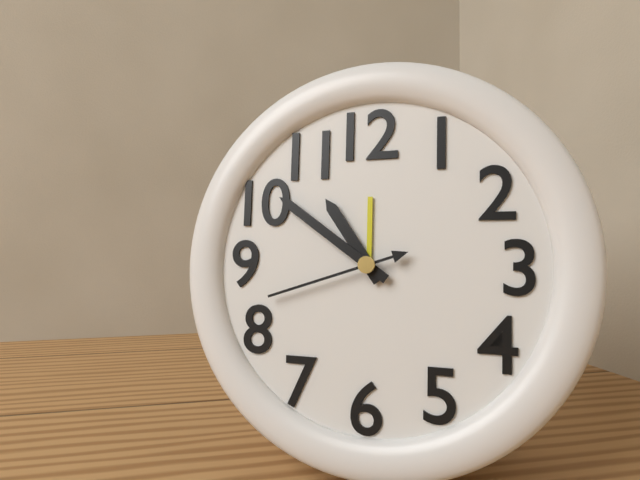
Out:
10.51.42
